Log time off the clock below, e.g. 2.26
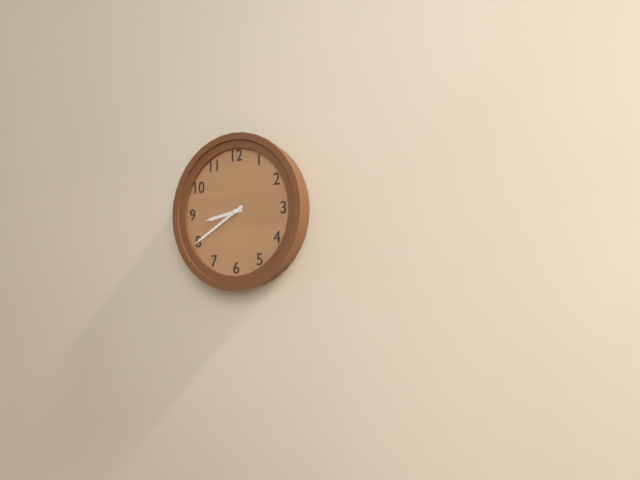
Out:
8.40
